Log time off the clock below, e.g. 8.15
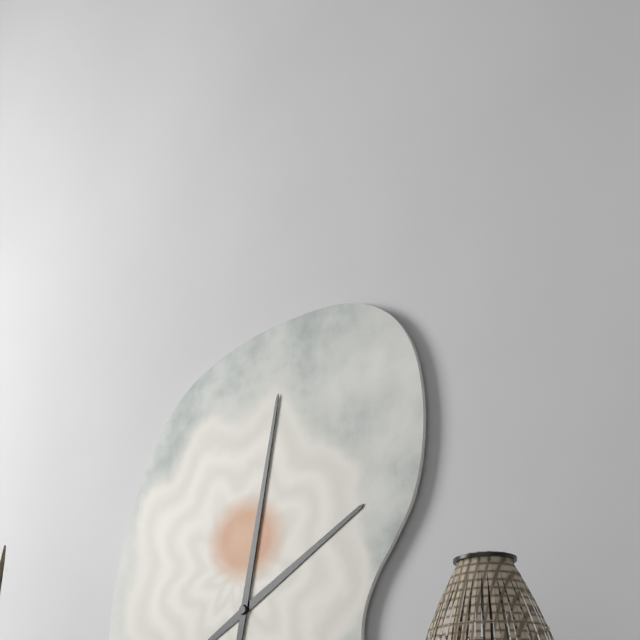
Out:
2.02
